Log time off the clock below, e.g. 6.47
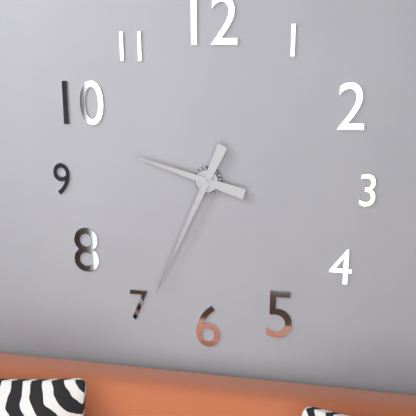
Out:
9.34
